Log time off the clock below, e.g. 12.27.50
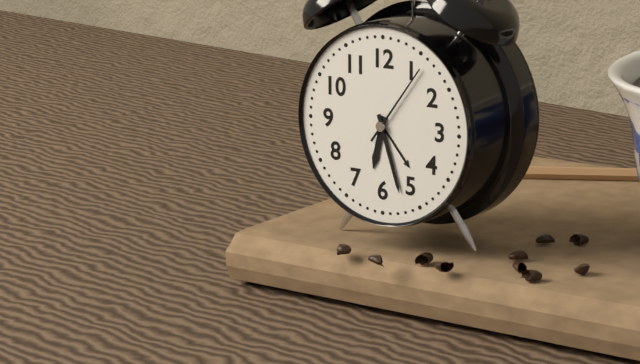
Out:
6.27.06
